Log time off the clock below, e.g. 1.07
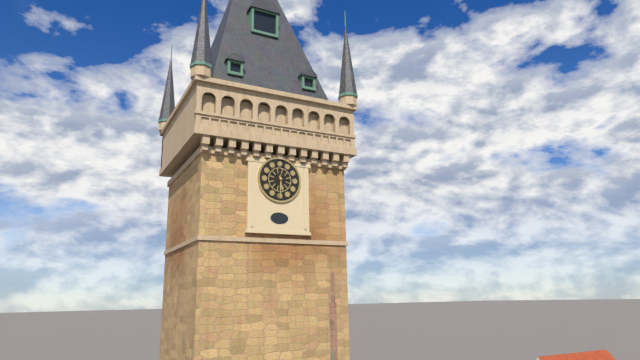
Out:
5.30
